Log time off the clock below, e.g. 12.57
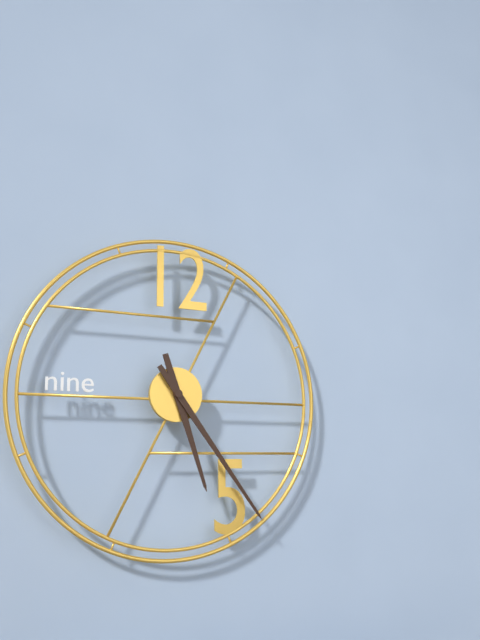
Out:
5.24
